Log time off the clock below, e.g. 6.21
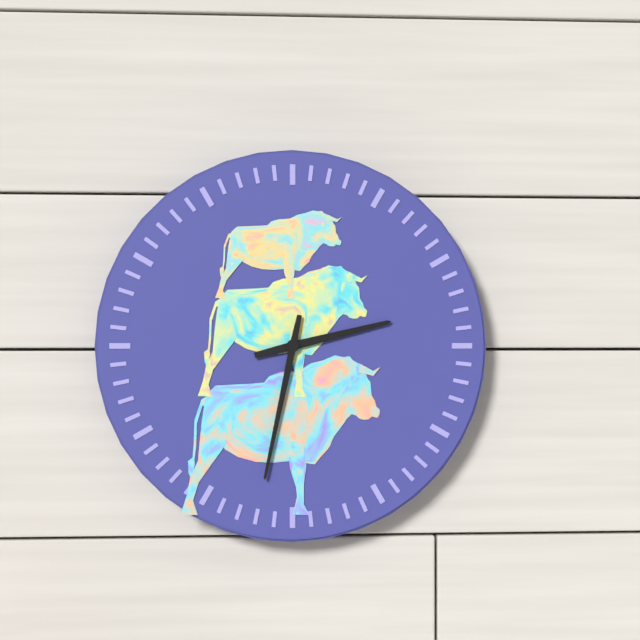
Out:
2.32
